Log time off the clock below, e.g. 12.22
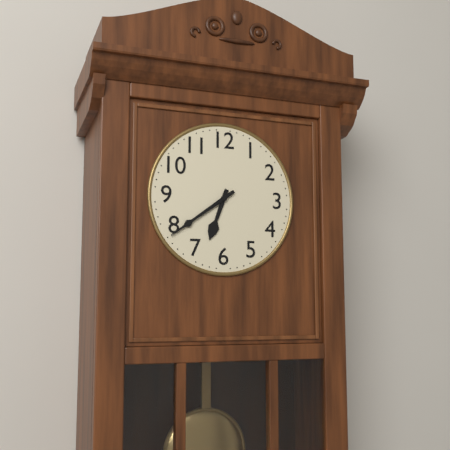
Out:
6.39
